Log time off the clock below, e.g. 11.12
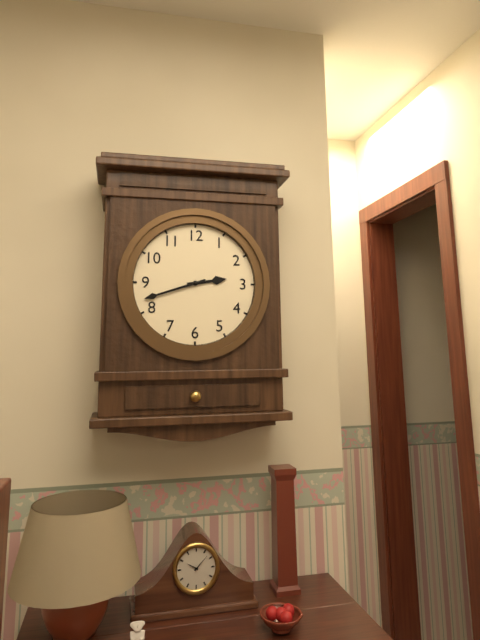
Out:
2.42
